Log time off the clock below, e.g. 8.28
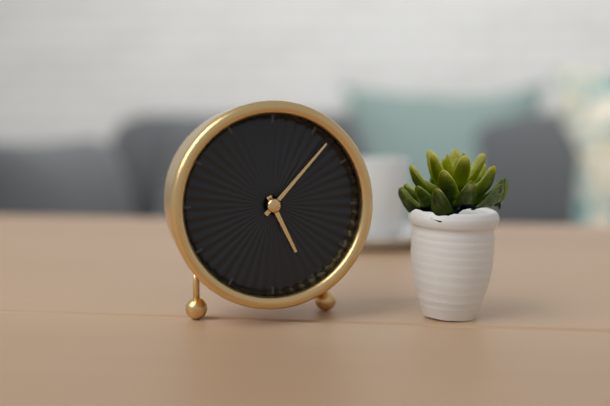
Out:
5.07
